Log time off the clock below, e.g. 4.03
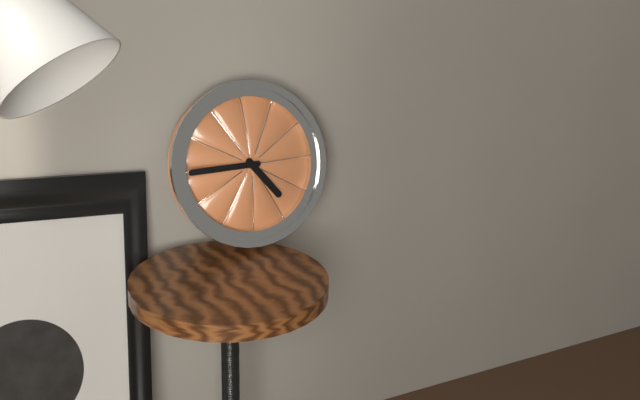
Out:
4.45
